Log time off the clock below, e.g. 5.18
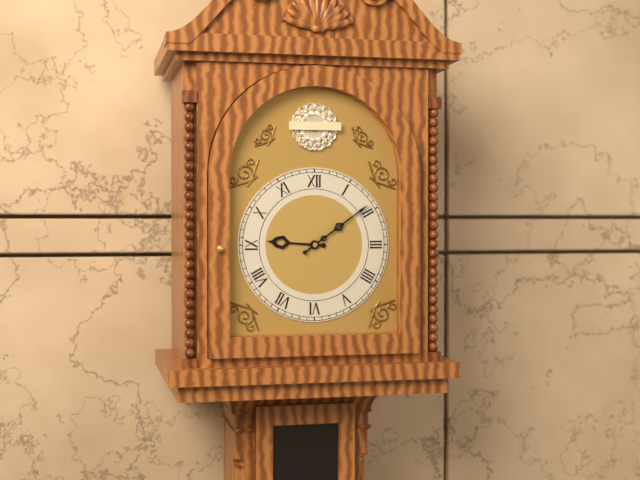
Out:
9.09
